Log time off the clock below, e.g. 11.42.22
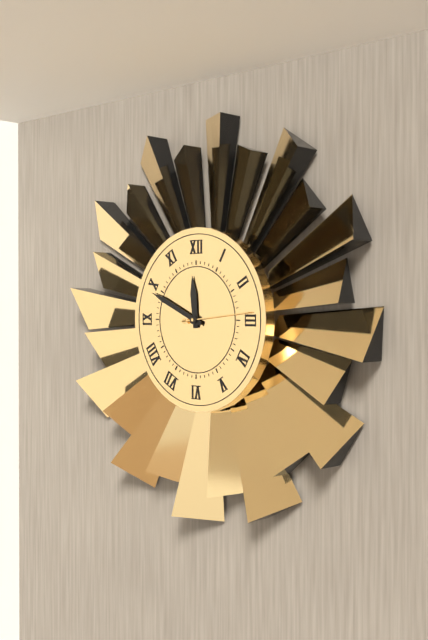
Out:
11.49.14
